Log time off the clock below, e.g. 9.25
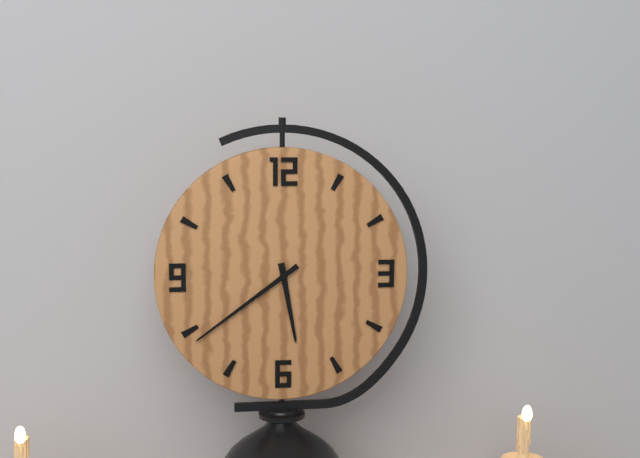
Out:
5.39
